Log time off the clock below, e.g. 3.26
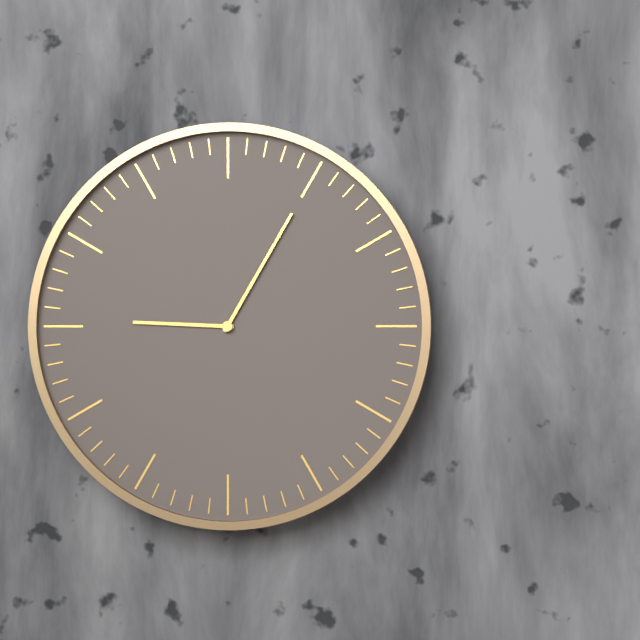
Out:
9.05
